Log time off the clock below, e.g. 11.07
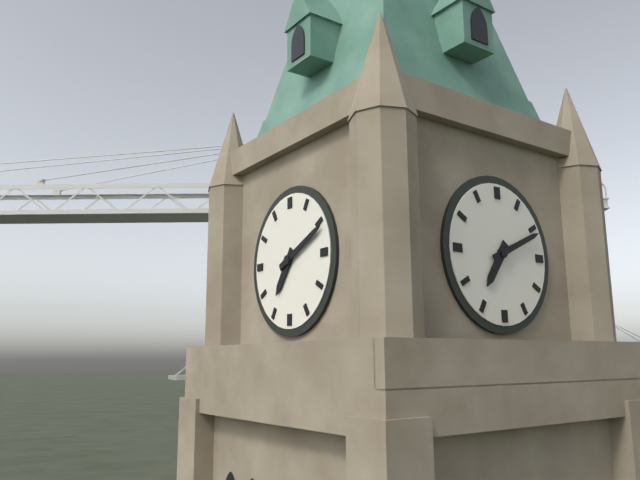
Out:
7.11
